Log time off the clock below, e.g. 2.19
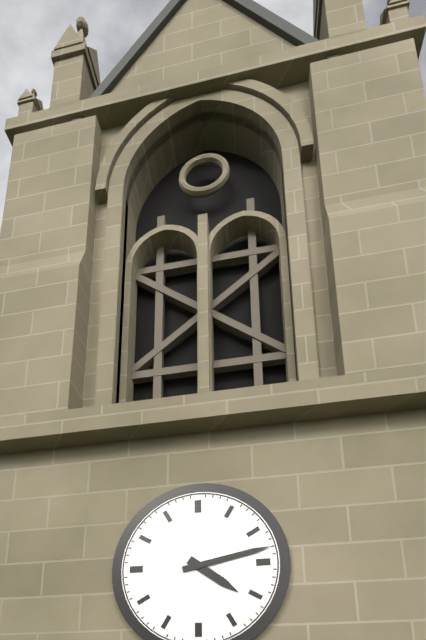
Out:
4.13
